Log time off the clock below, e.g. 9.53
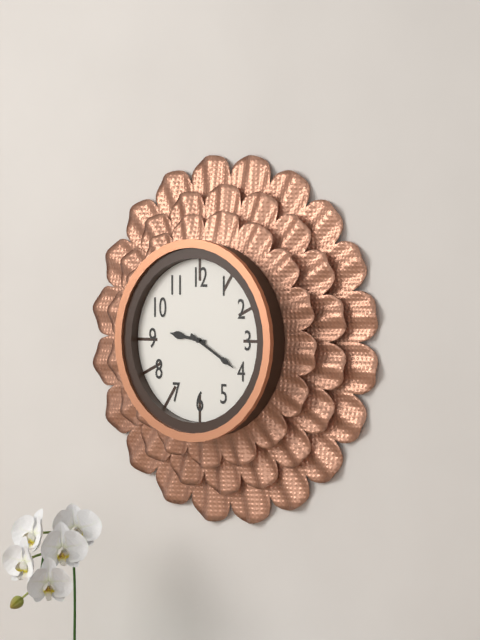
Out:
9.20
